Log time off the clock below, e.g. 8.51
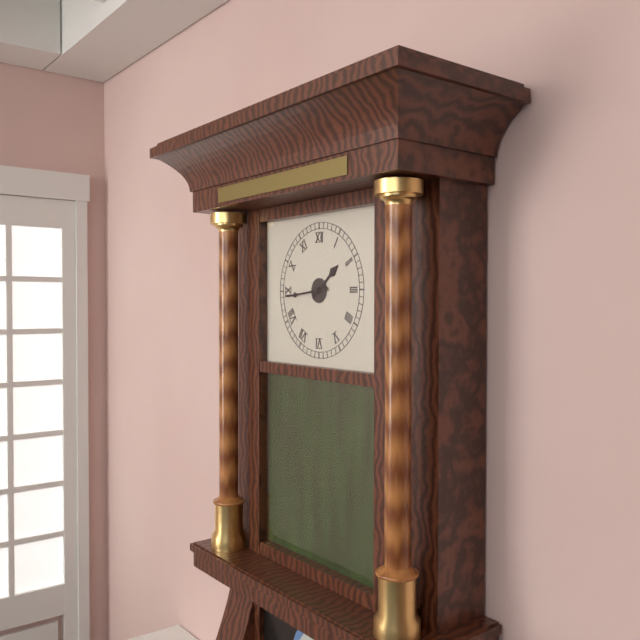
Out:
1.44
